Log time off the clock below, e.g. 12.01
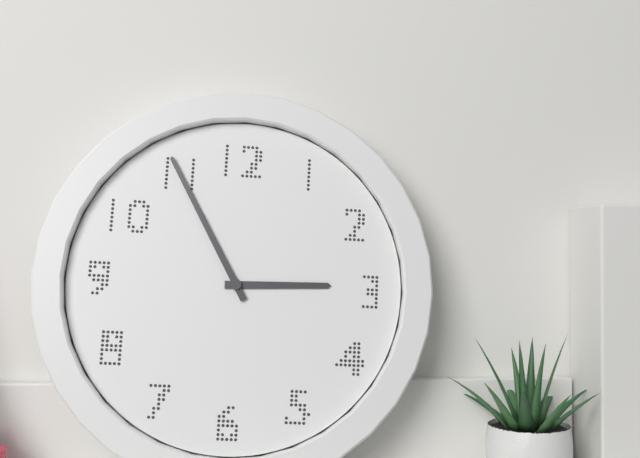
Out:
2.55
